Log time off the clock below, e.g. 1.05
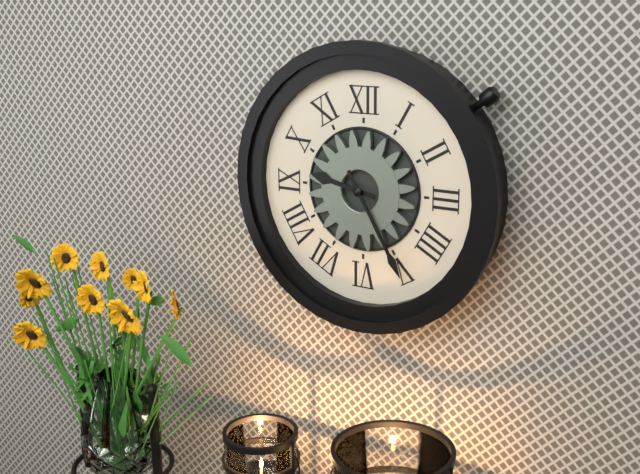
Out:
9.25
